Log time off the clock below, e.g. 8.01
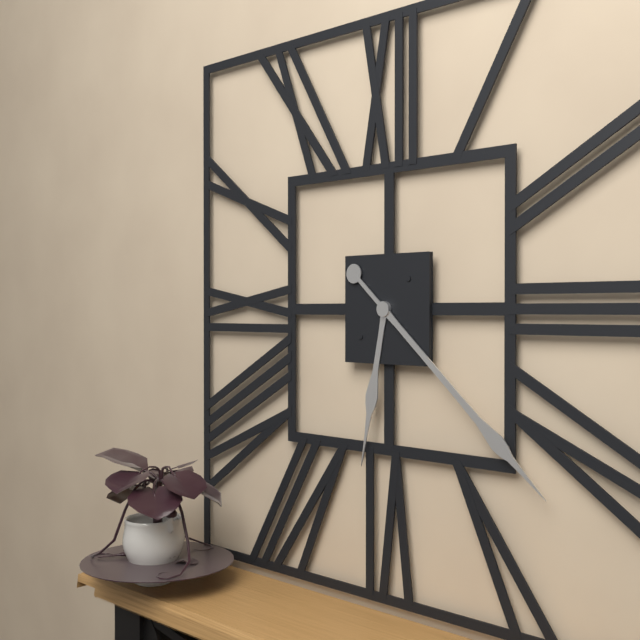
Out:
6.22
